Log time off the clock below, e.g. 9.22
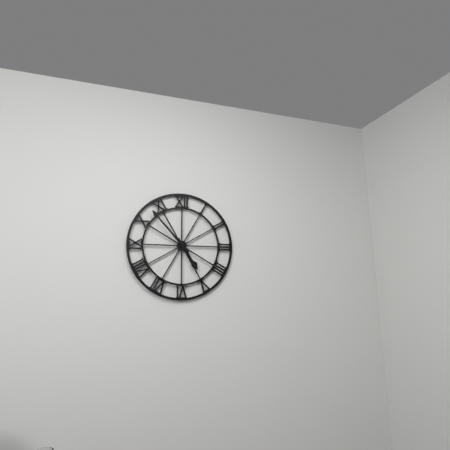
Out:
4.53
